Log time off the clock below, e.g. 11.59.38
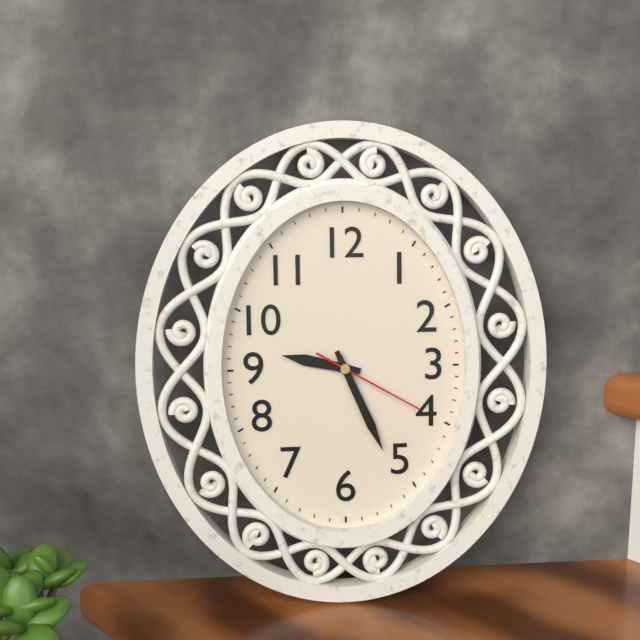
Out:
9.26.20
